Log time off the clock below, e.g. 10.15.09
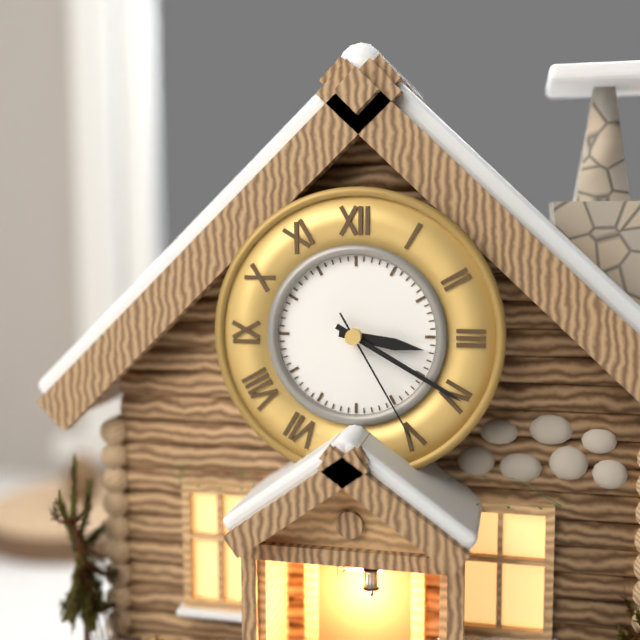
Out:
3.20.25
